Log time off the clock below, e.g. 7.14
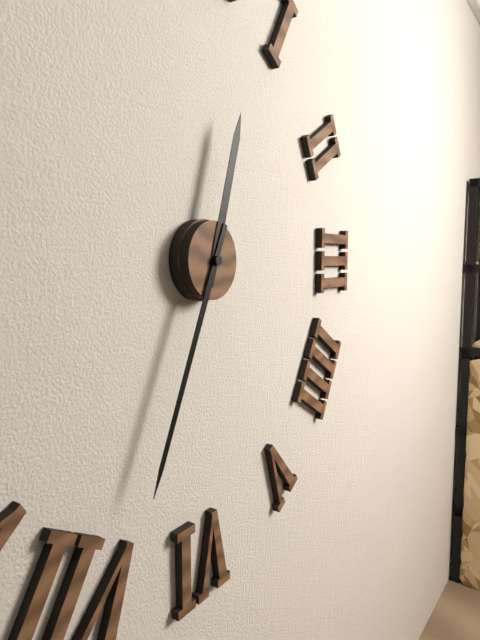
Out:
12.34
